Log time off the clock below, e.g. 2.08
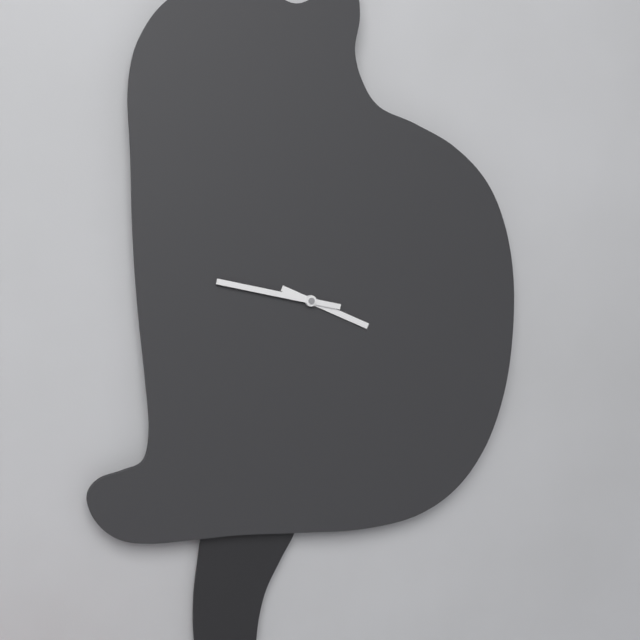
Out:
3.47
